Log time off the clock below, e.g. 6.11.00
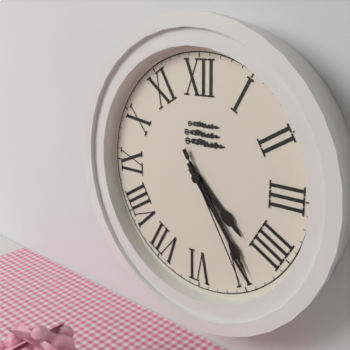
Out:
4.24.25
